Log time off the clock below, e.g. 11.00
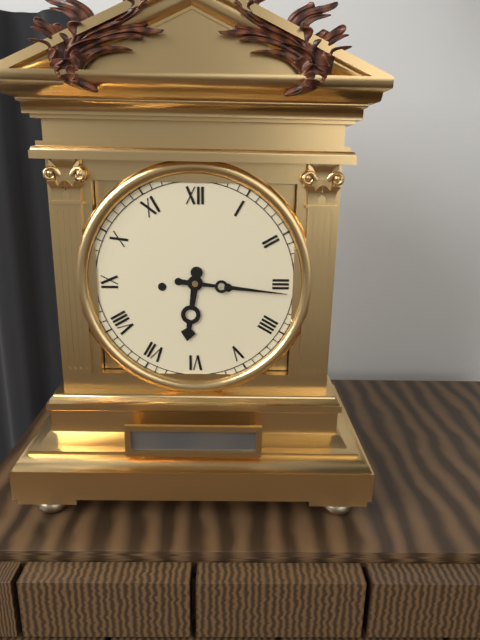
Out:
6.16
